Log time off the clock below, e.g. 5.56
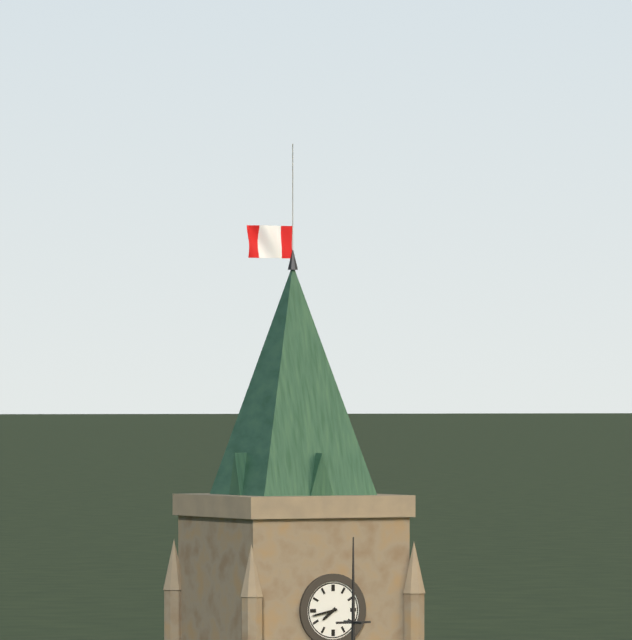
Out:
7.43
